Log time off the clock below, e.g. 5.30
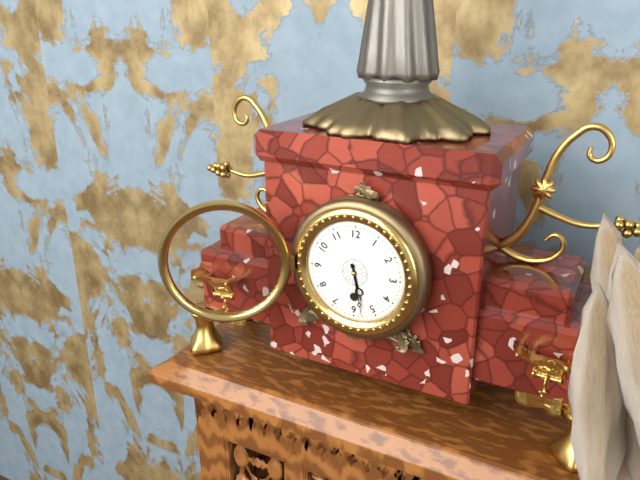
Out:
5.28
